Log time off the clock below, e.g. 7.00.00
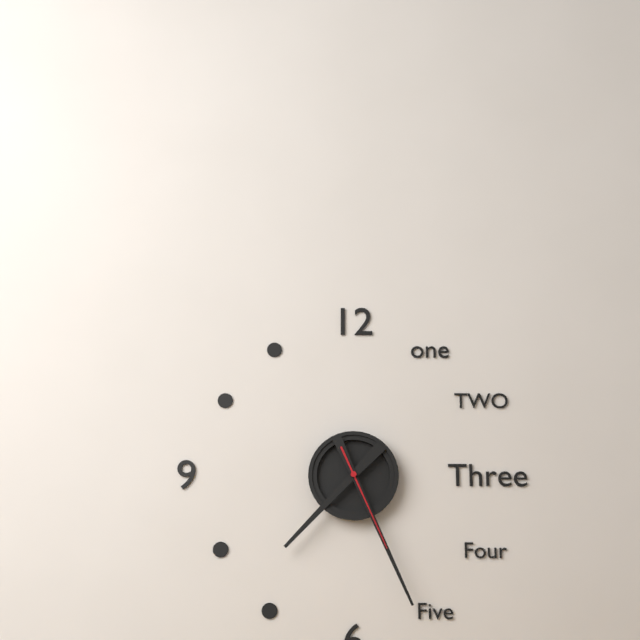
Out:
7.26.26
